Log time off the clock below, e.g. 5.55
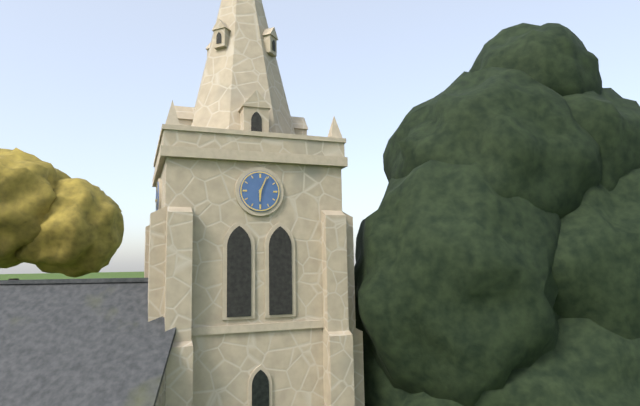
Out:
6.04
